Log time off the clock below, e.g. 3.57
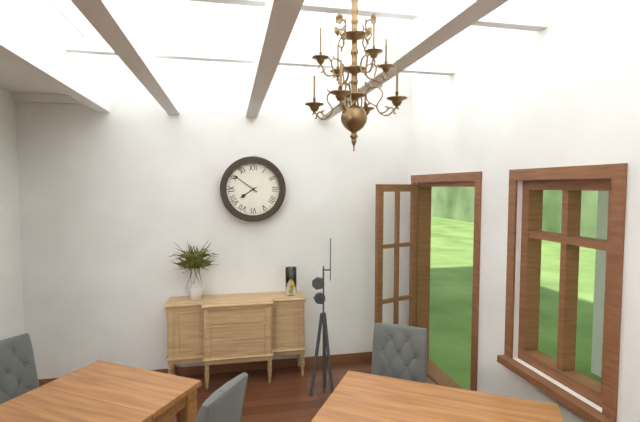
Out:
7.51
